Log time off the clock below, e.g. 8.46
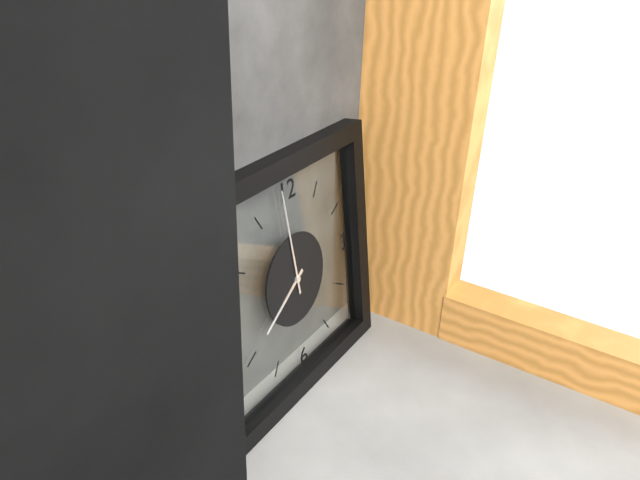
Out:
7.59
